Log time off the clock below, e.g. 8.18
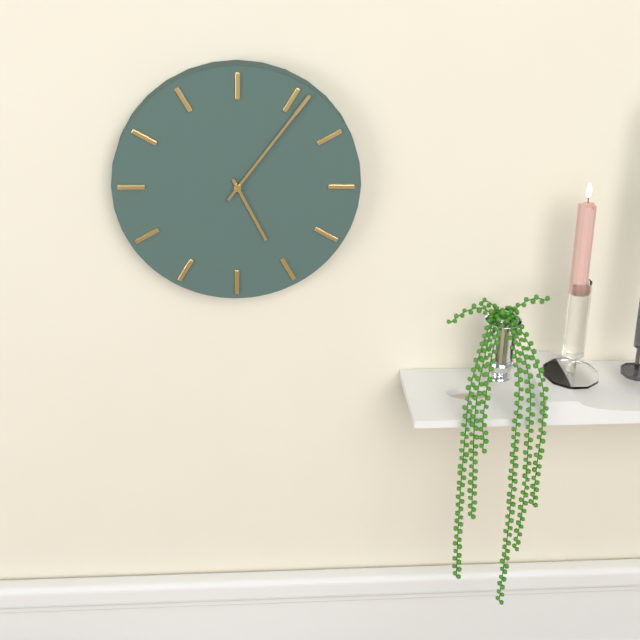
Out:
5.06
